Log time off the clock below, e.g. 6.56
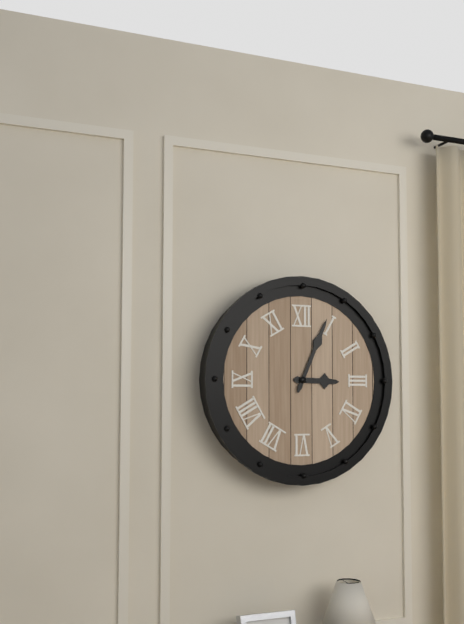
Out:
3.04
